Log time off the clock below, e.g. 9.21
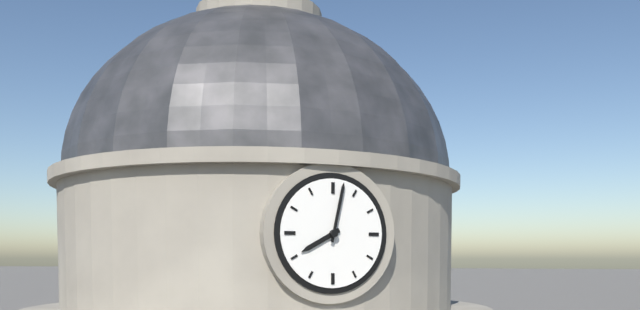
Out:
8.02
